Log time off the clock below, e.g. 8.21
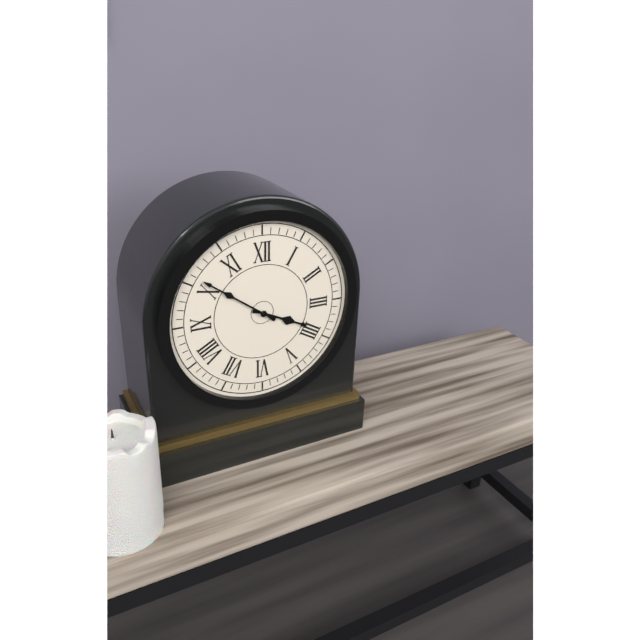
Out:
3.51
